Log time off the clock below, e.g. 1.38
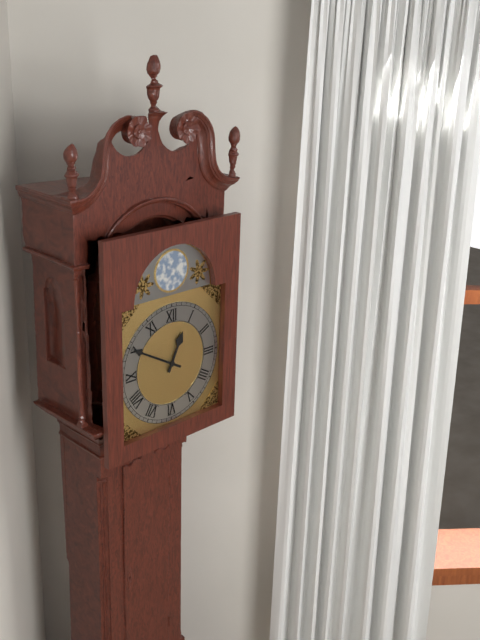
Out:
12.50
